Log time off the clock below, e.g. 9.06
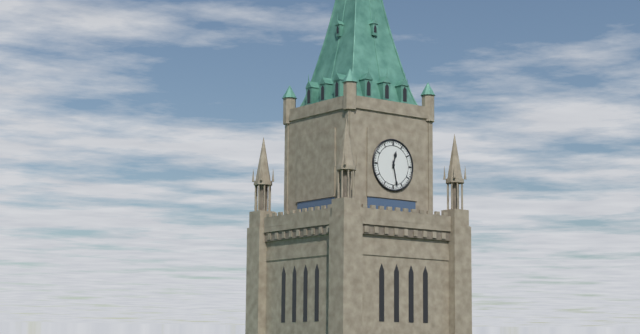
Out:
12.28
